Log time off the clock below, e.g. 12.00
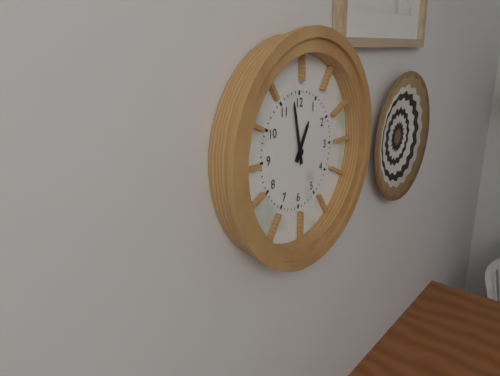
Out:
12.58
